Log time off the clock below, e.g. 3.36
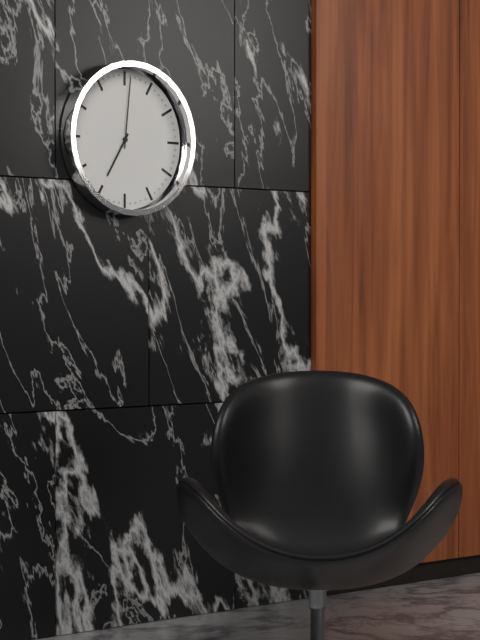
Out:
7.01
